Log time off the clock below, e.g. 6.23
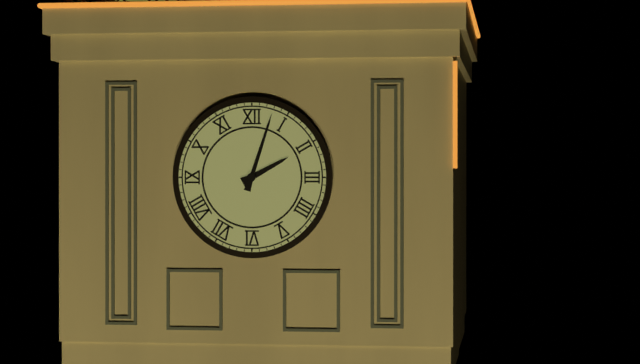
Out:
2.03
